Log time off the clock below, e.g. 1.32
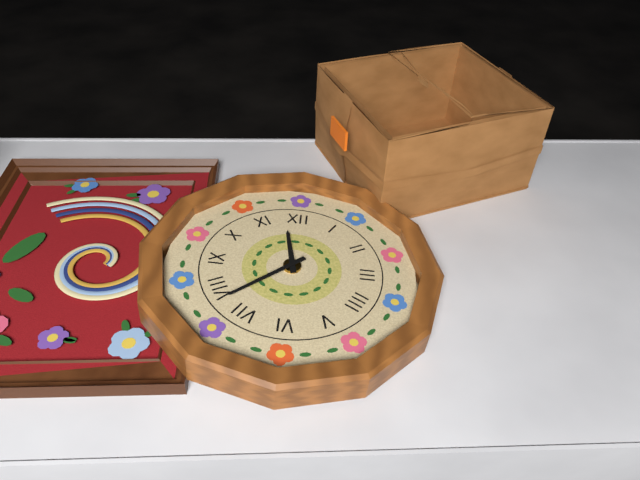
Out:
11.38
